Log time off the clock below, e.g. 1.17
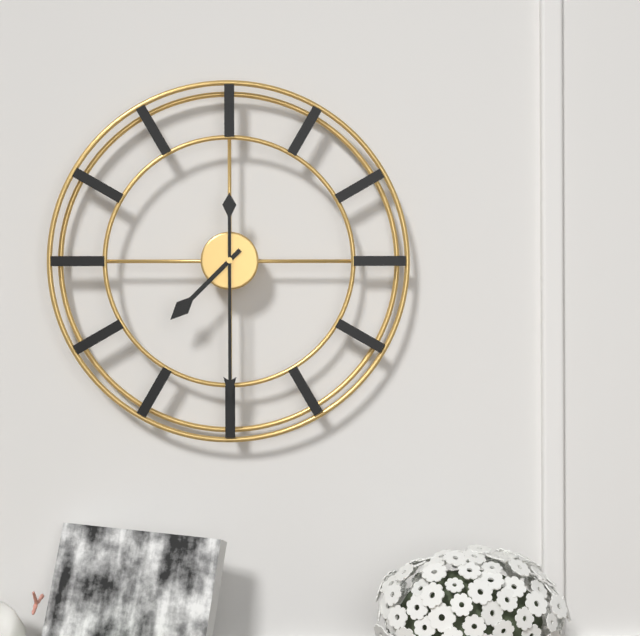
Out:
7.30
